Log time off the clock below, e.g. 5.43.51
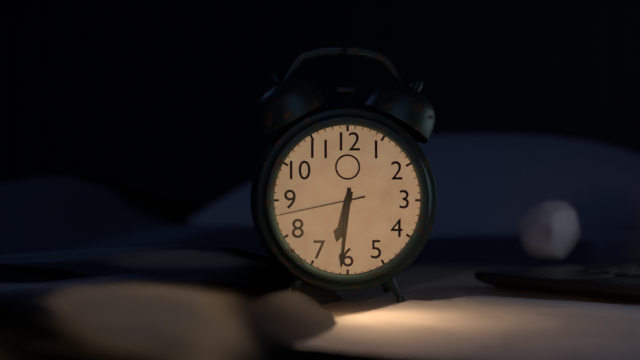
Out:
6.31.43
